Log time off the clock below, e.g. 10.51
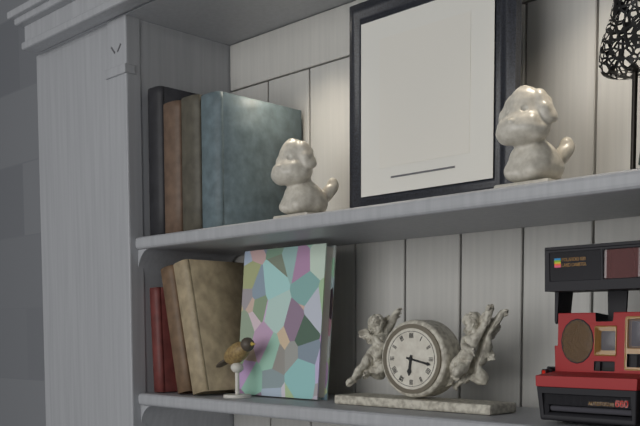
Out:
6.17
